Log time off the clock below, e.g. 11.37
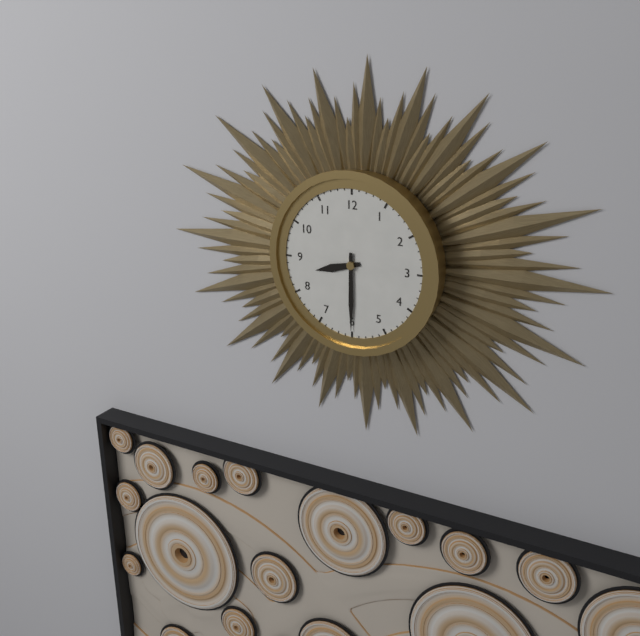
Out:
8.30
